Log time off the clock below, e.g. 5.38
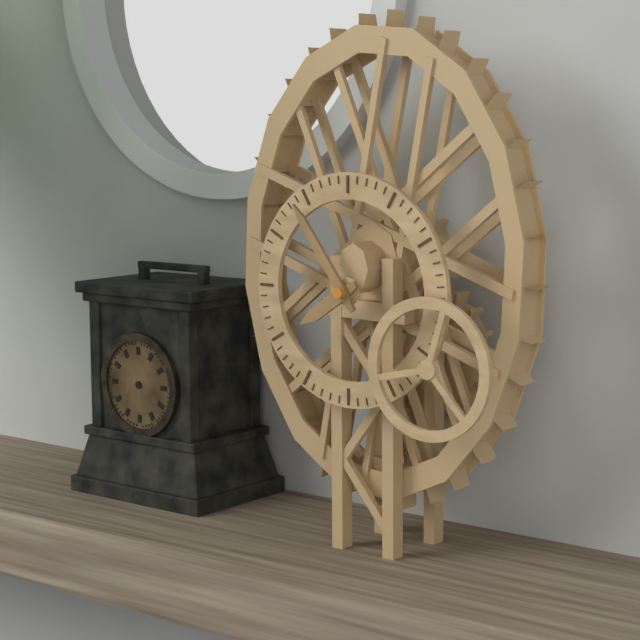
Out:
7.54
